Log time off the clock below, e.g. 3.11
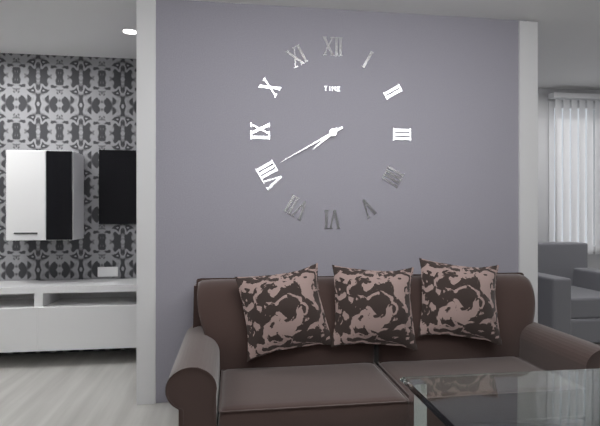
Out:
7.40
